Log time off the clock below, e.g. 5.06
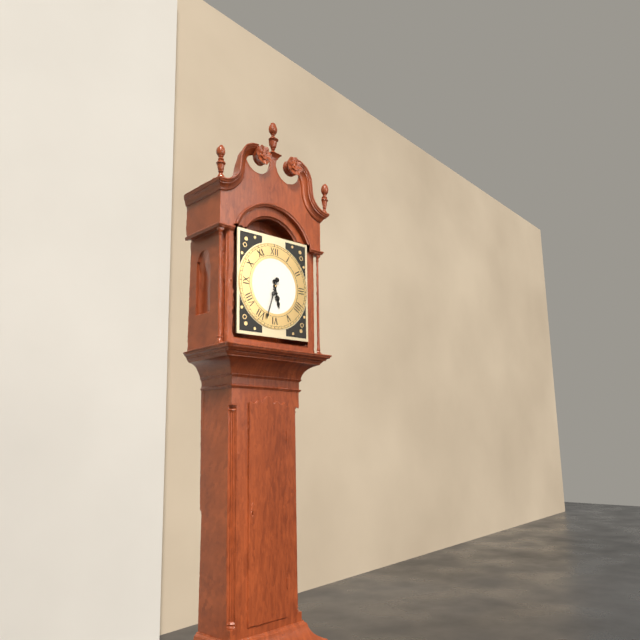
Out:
5.33
